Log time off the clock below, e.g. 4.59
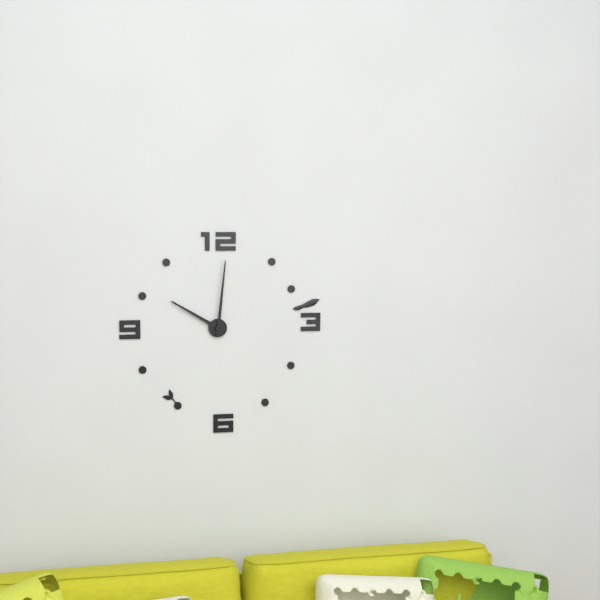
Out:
10.01
